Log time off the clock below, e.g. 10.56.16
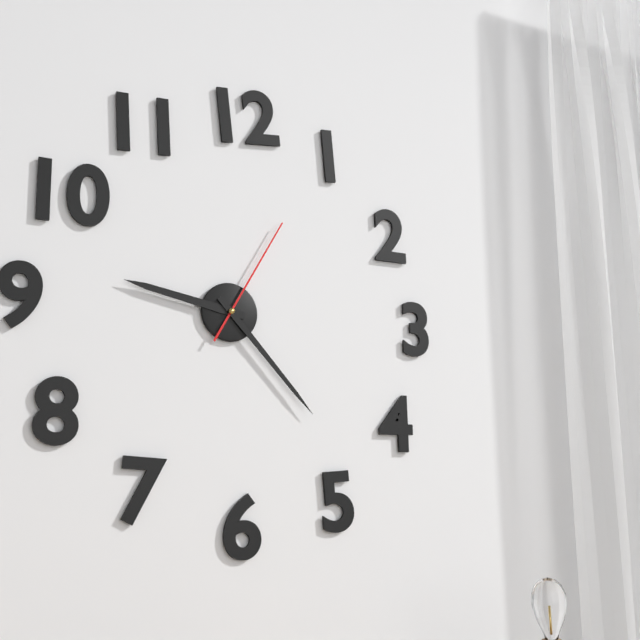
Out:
9.23.05
